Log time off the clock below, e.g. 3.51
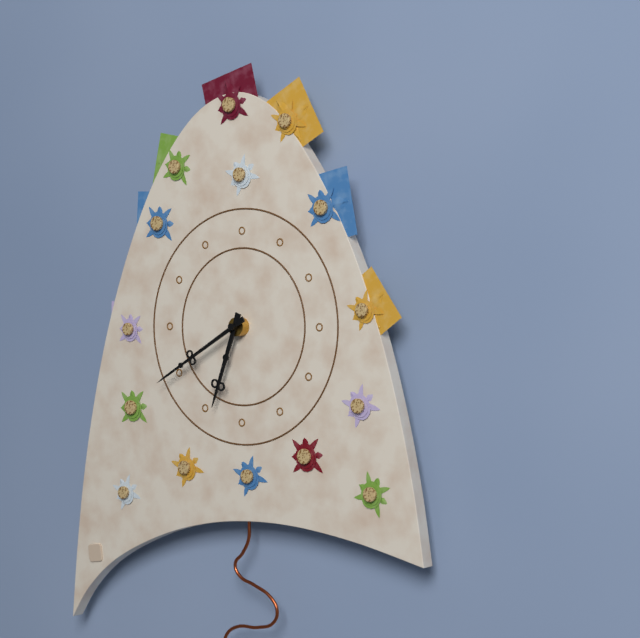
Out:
6.40
